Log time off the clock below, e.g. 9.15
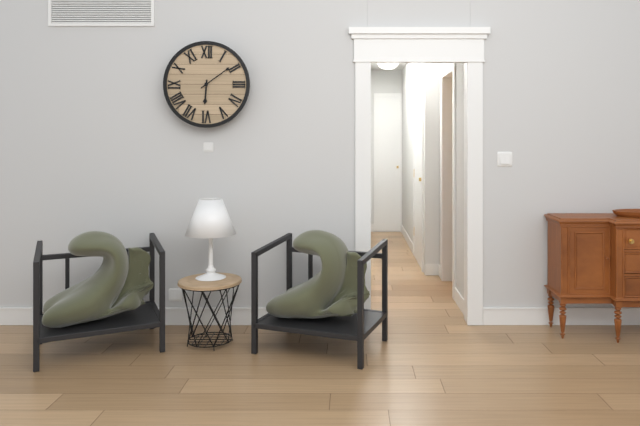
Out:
6.09
